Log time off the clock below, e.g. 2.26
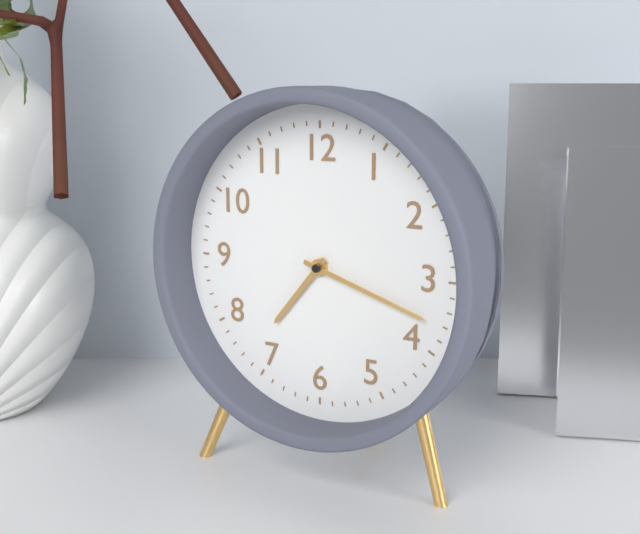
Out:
7.18
